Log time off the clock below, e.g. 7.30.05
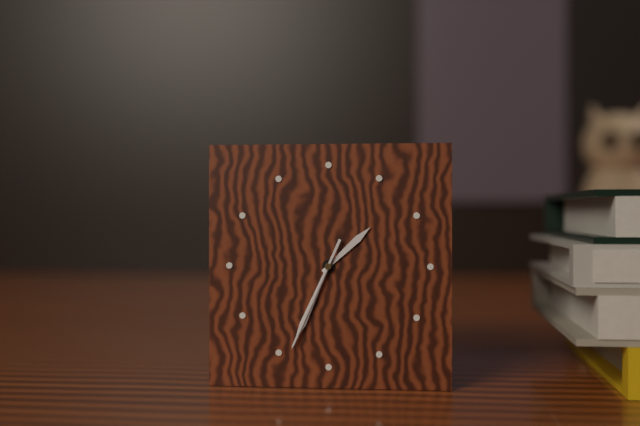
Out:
1.34.34
